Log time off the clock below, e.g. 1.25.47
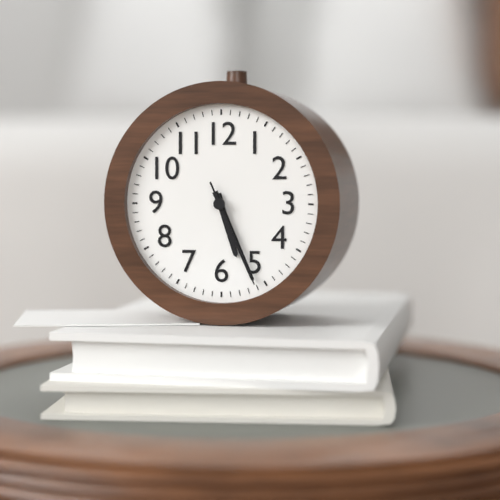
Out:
5.26.26
